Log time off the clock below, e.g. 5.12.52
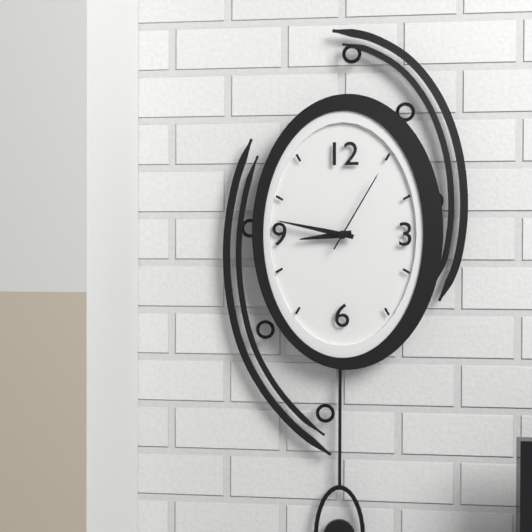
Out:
8.47.05
